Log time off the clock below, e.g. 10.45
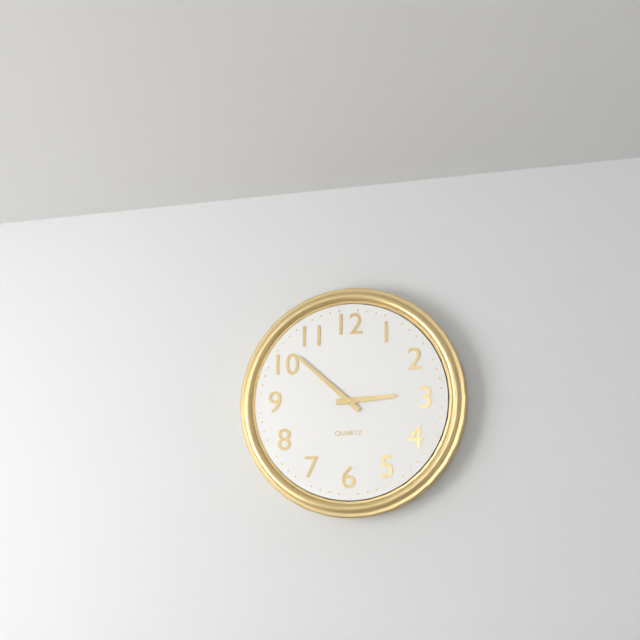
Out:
2.52
